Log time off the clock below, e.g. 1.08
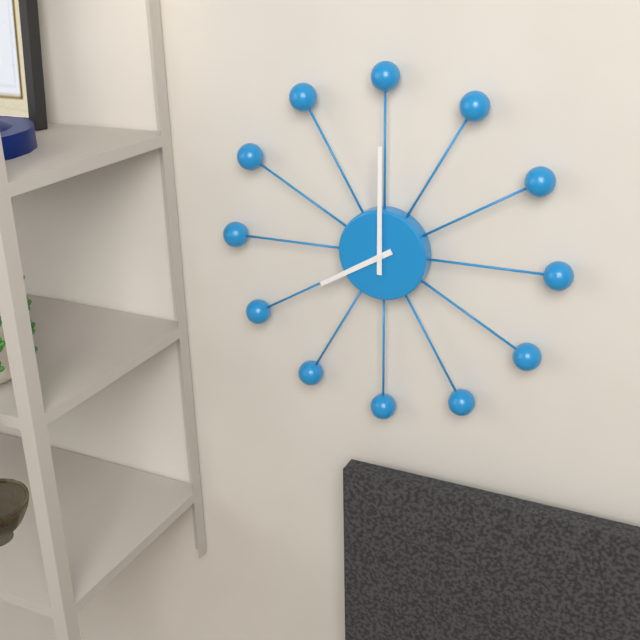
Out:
8.00
